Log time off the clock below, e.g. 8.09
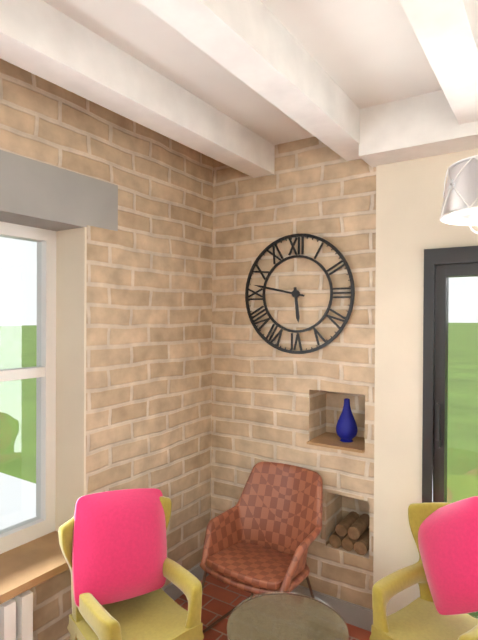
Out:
5.47
